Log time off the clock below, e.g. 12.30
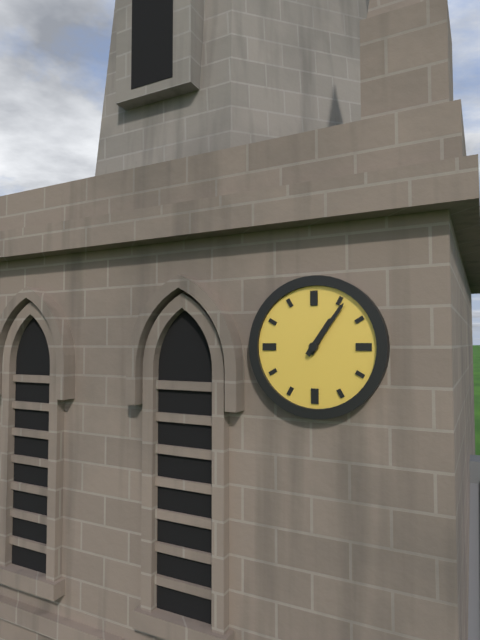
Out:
1.06
